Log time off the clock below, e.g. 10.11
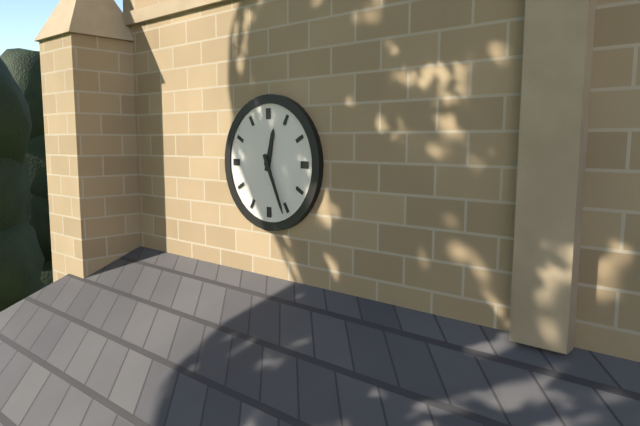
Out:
12.26
